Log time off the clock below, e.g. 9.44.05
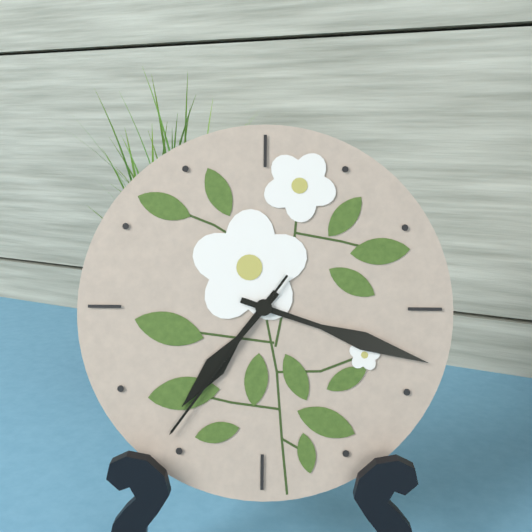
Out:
7.18.36
